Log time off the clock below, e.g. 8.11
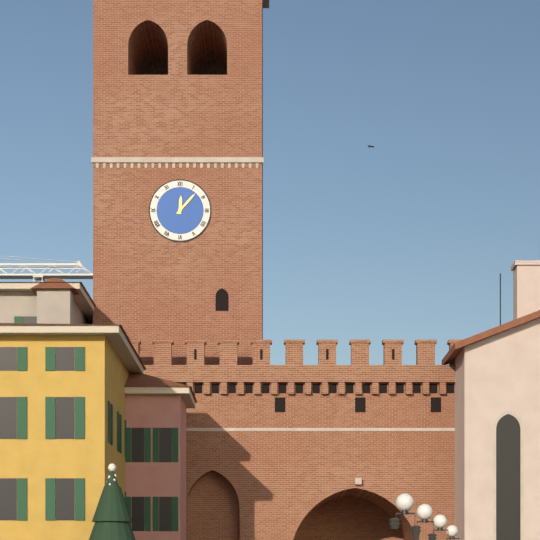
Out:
12.07
